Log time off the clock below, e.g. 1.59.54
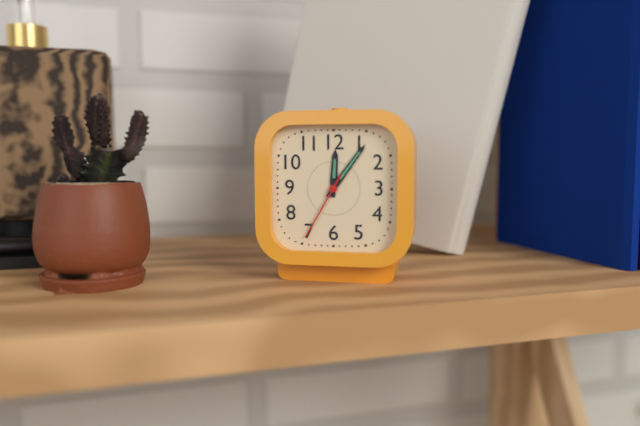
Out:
12.06.35
